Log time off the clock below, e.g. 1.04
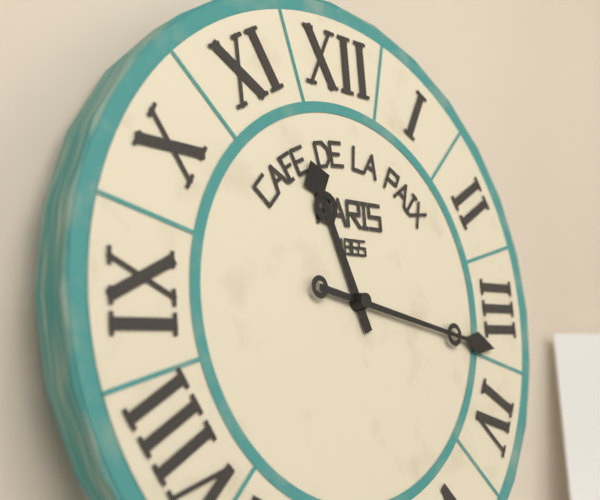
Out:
11.17
